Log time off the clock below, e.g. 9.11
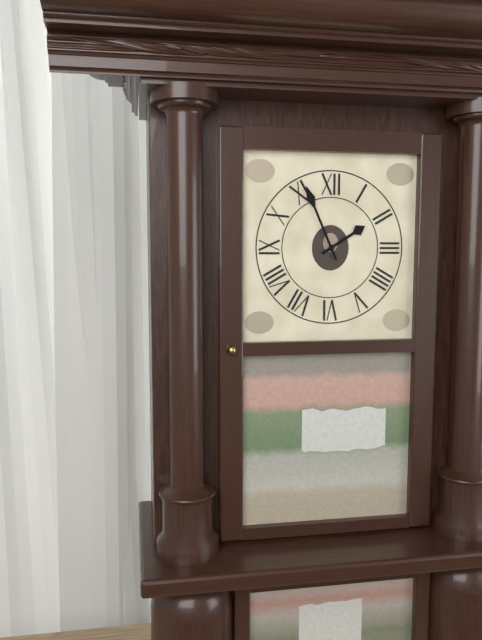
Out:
1.56
